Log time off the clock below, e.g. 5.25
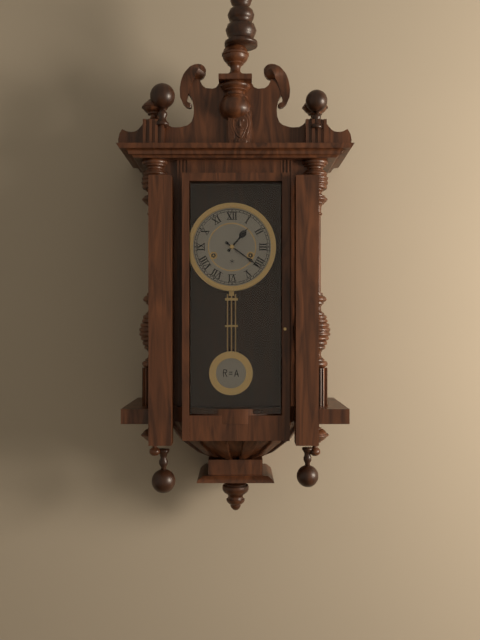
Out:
1.21
